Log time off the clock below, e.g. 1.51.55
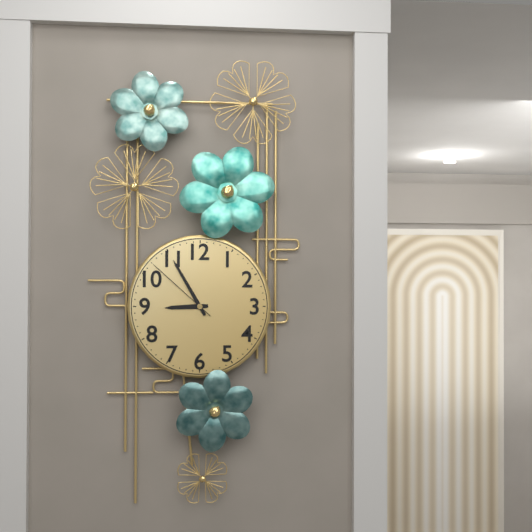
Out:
8.55.52
